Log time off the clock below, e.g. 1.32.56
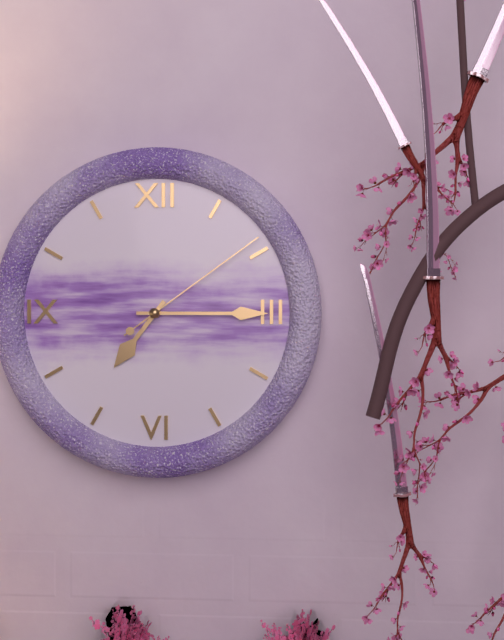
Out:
7.15.09
